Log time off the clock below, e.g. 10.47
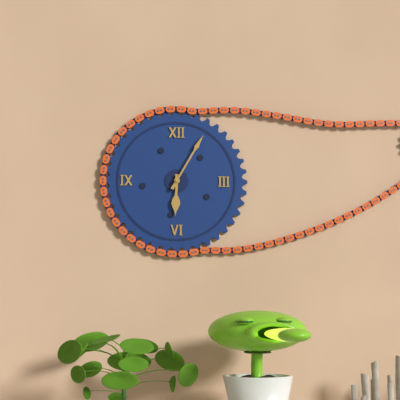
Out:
6.05
